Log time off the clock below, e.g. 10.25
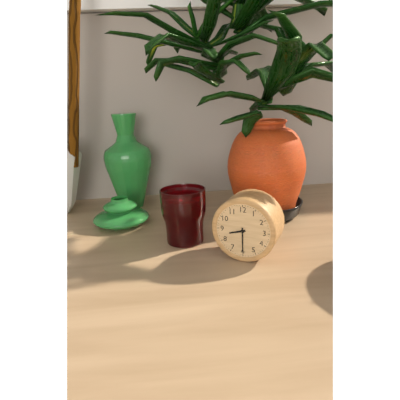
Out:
8.30
